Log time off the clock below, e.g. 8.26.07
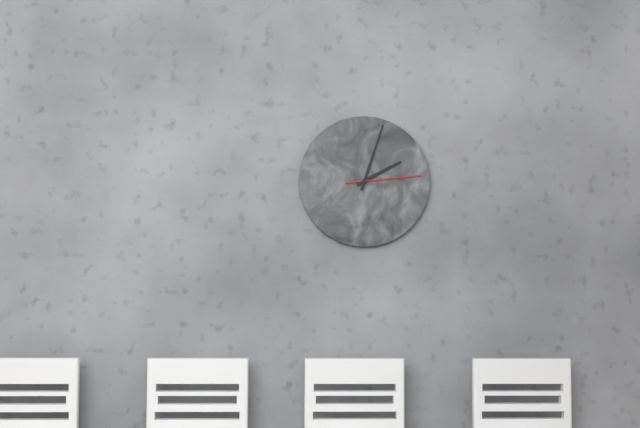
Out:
2.03.14
